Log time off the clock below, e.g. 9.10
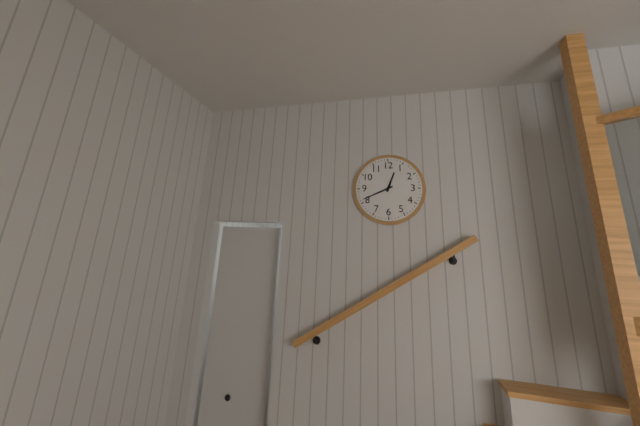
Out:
12.41
